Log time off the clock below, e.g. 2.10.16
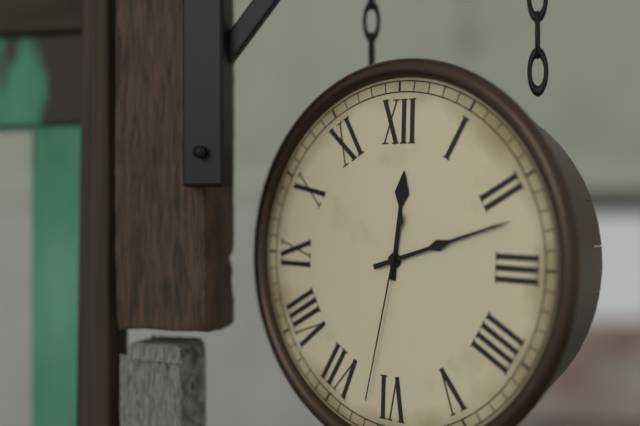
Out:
12.12.32
